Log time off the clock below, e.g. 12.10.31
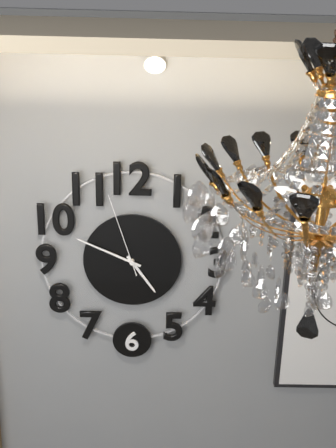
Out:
4.49.57
